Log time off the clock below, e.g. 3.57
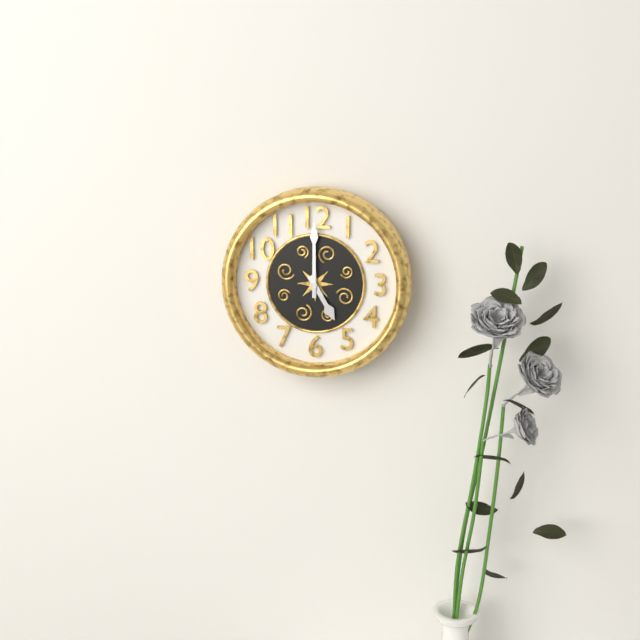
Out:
5.00
